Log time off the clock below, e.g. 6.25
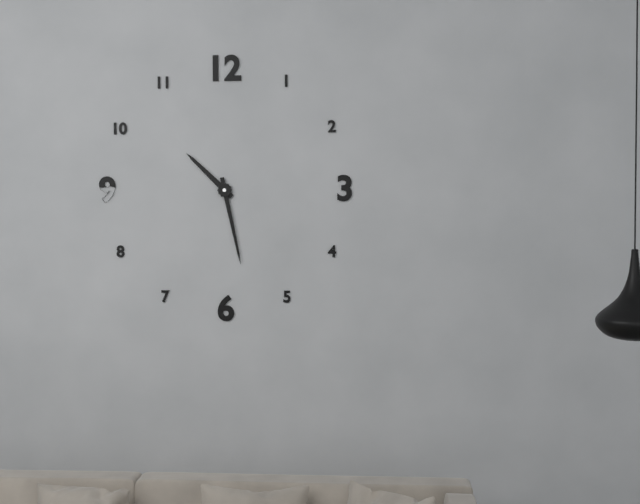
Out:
10.28
